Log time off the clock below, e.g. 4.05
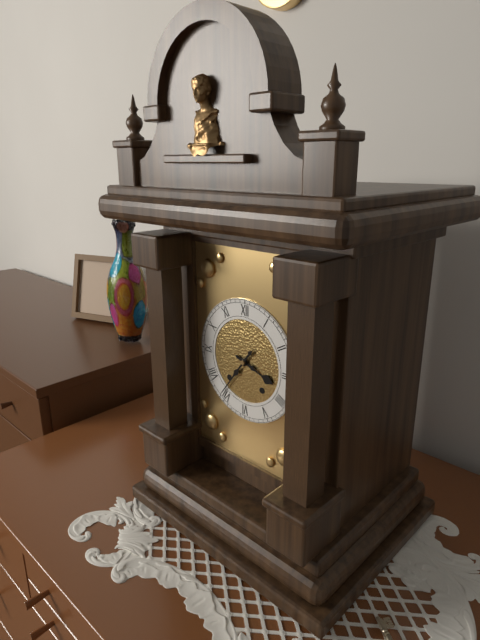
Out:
3.36
